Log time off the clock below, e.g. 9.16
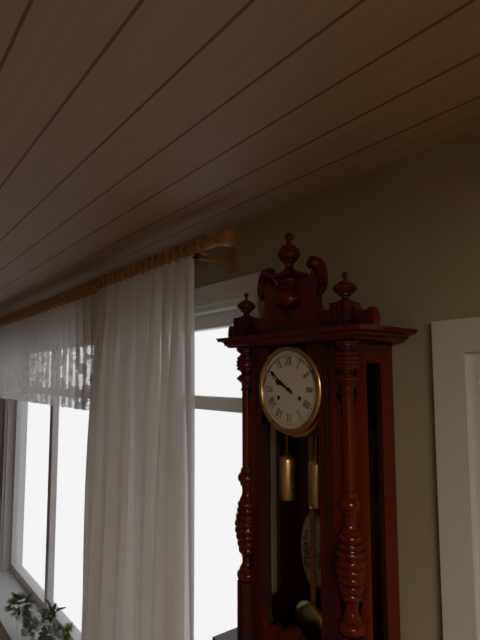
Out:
9.51
